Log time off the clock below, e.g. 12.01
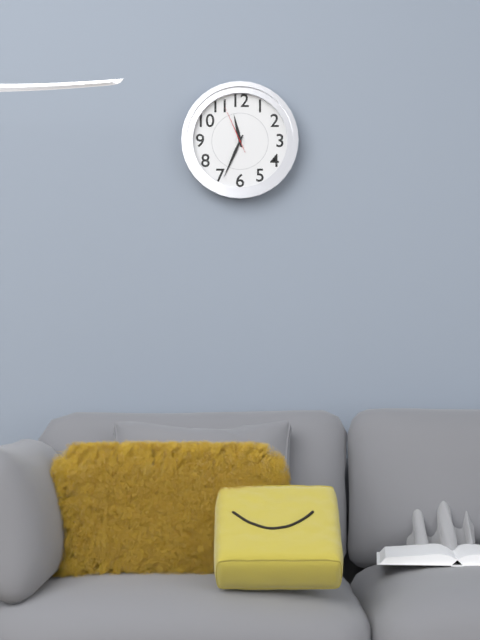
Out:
11.34
